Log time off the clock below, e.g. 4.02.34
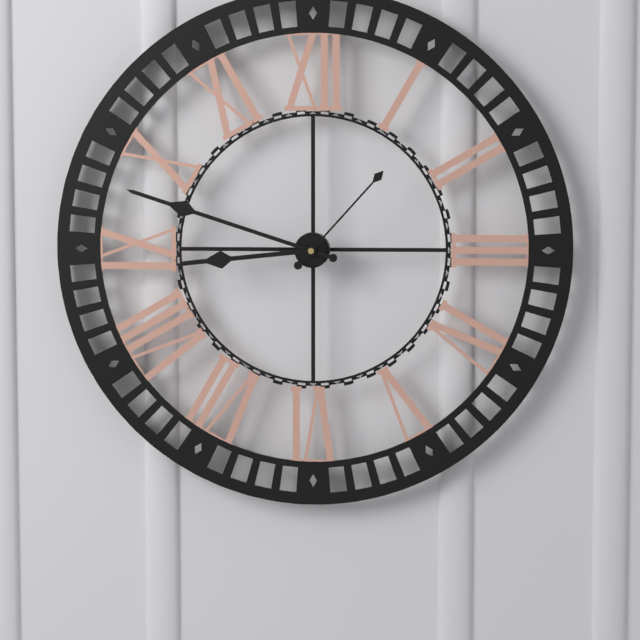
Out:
8.48.07
